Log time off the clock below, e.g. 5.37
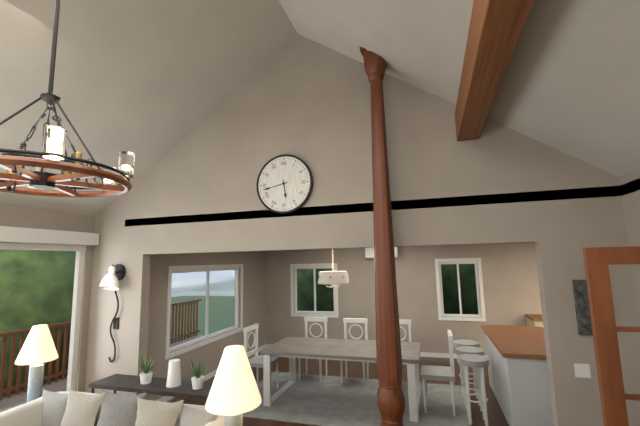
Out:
5.43
